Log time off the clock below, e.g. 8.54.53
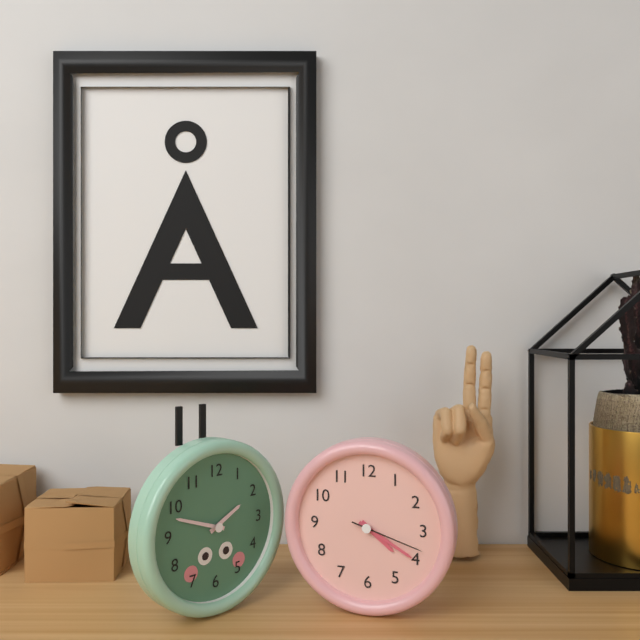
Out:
4.20.18
